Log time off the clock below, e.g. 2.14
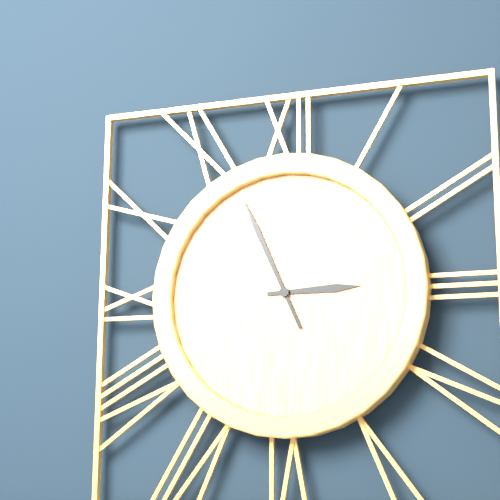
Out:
2.56
